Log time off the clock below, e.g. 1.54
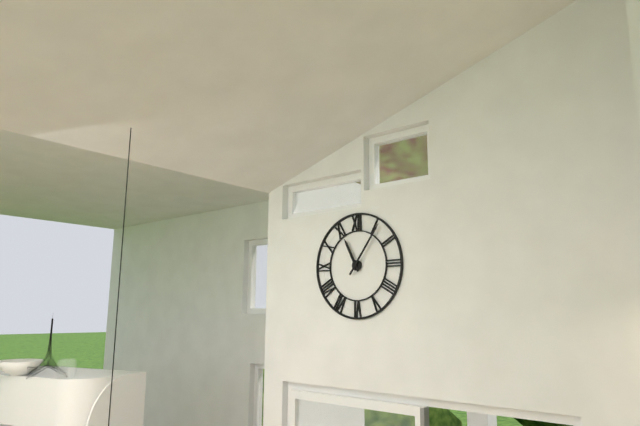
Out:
11.06
